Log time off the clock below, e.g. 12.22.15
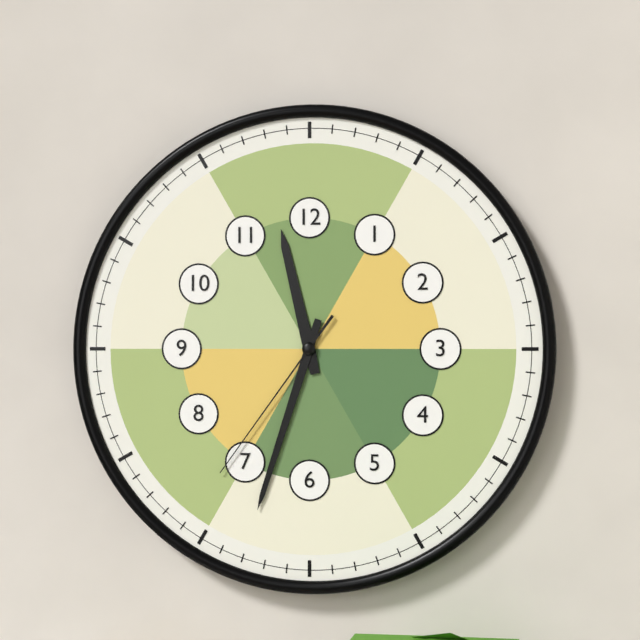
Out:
11.33.36
